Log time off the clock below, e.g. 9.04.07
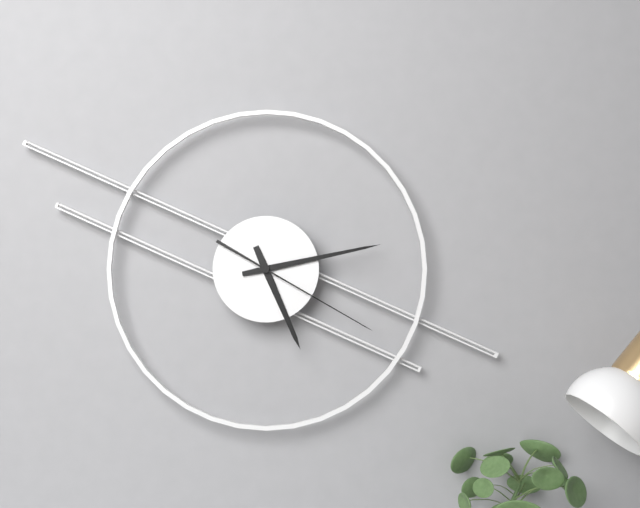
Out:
5.13.20
